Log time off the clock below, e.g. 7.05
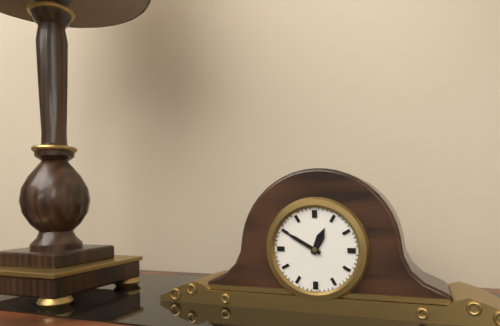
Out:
12.50
